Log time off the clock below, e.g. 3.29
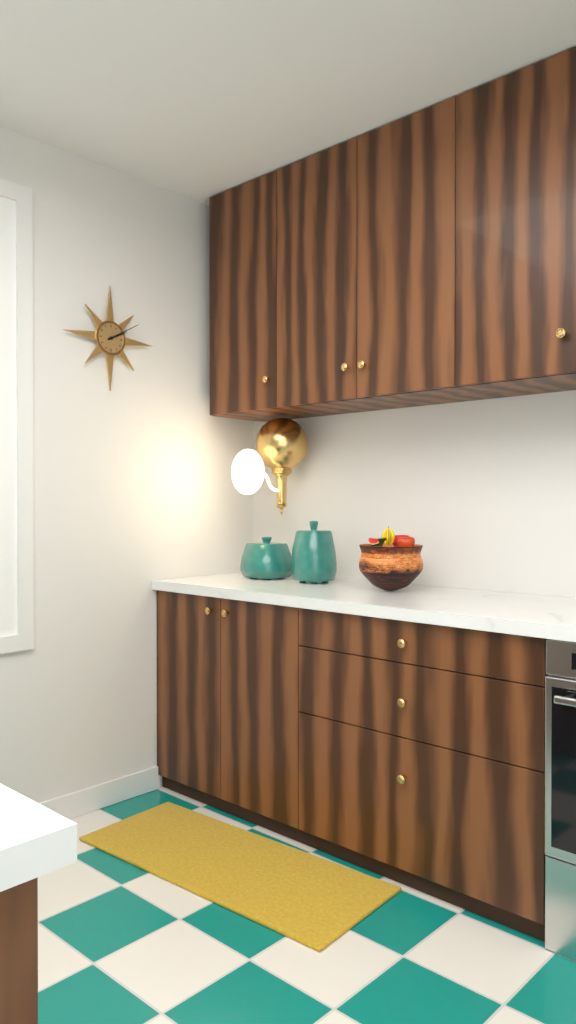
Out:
2.10
